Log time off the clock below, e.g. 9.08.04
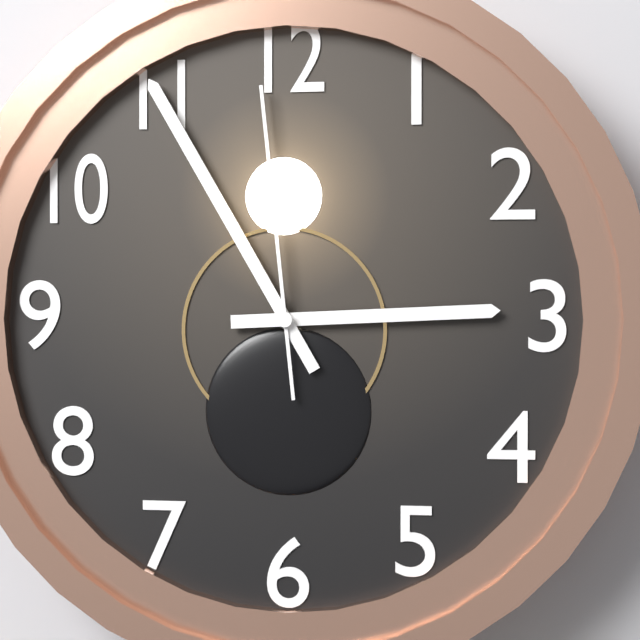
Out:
2.55.59
